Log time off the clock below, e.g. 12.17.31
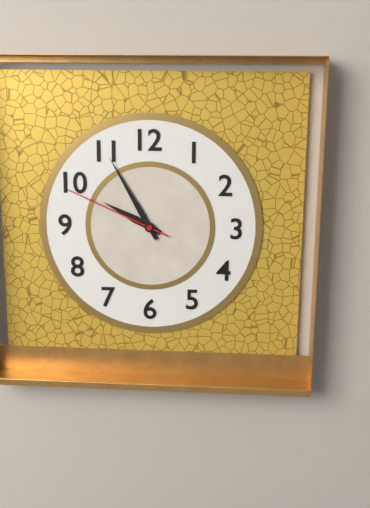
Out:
9.55.49
